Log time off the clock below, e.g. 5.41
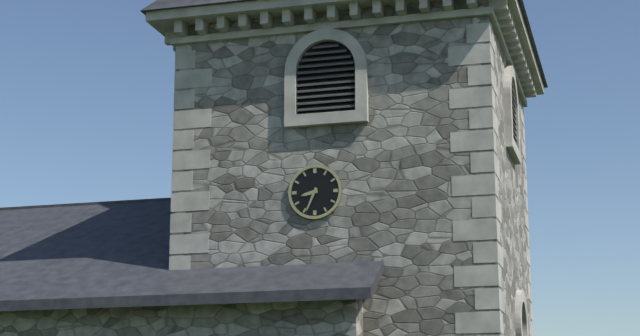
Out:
8.34
